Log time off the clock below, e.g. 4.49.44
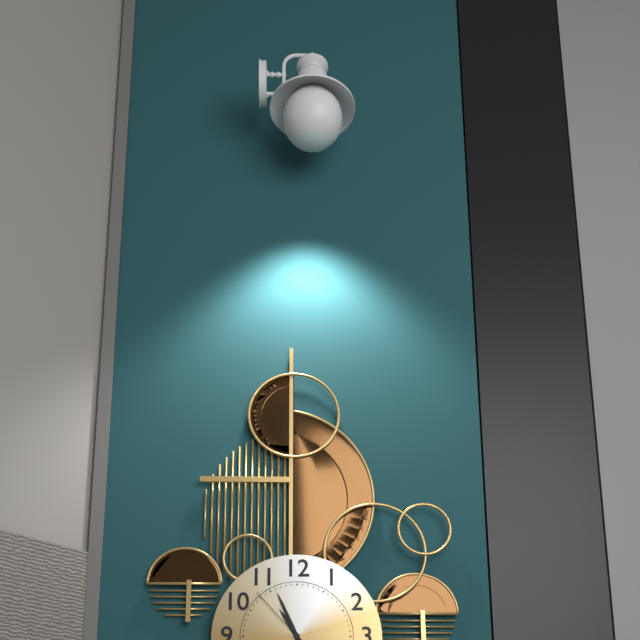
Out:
10.56.53
